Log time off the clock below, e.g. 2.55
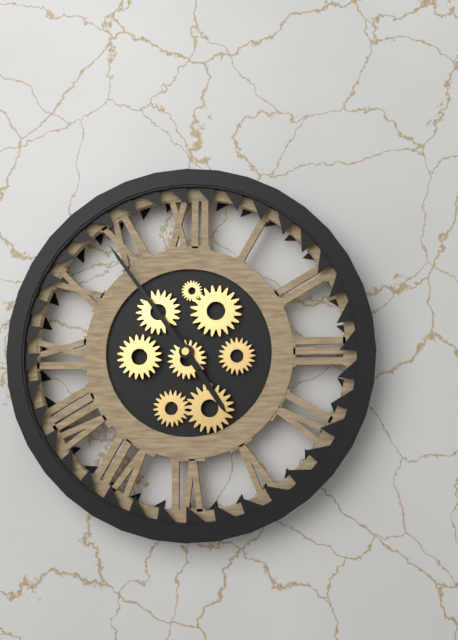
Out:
4.54
